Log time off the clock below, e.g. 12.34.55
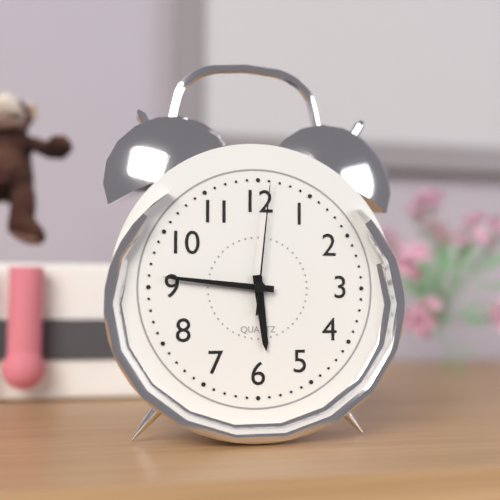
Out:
5.46.01
